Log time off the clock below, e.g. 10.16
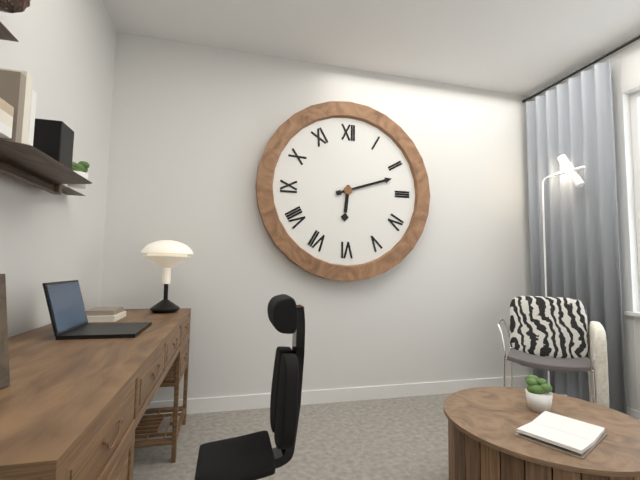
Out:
6.12
